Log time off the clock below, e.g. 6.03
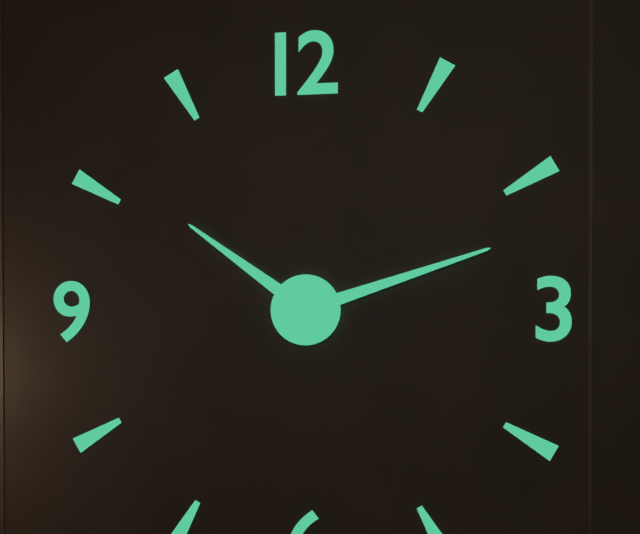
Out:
10.12
